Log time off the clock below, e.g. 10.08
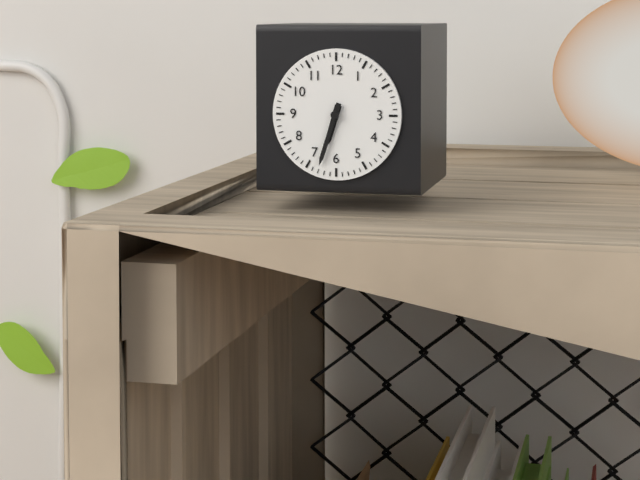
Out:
6.33
